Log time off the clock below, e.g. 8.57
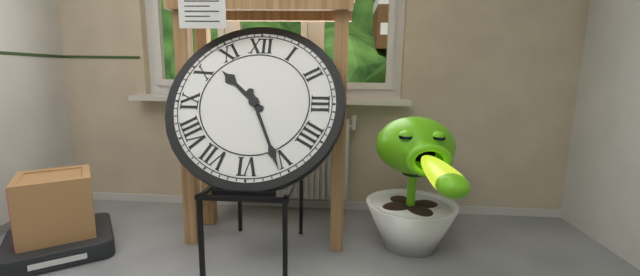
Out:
10.26
